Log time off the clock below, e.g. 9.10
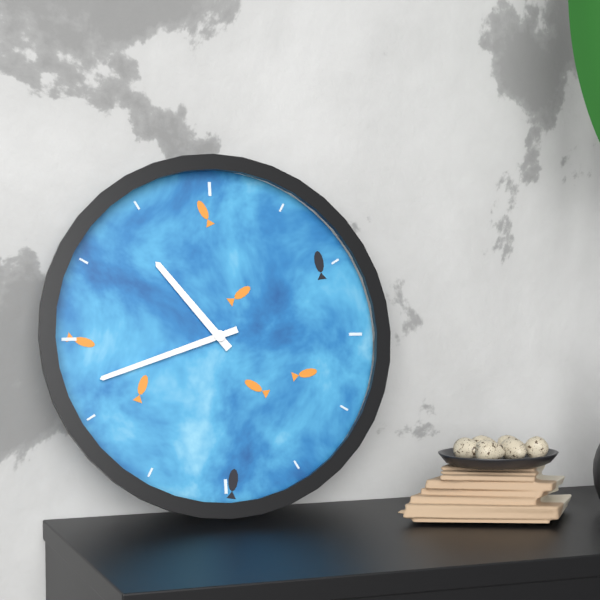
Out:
10.42
